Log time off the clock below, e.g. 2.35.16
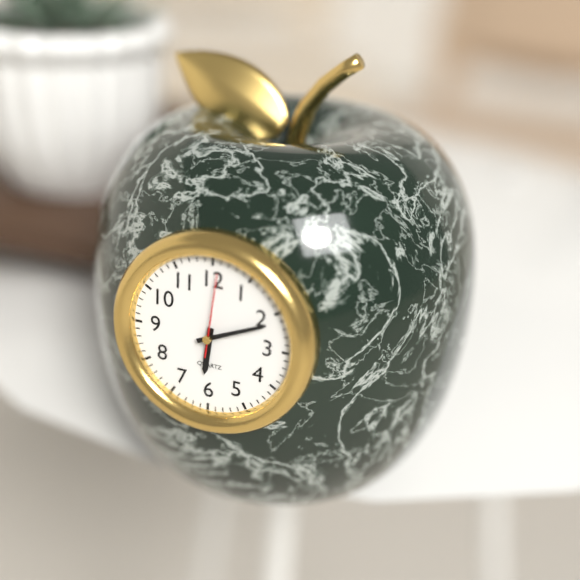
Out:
6.11.01
